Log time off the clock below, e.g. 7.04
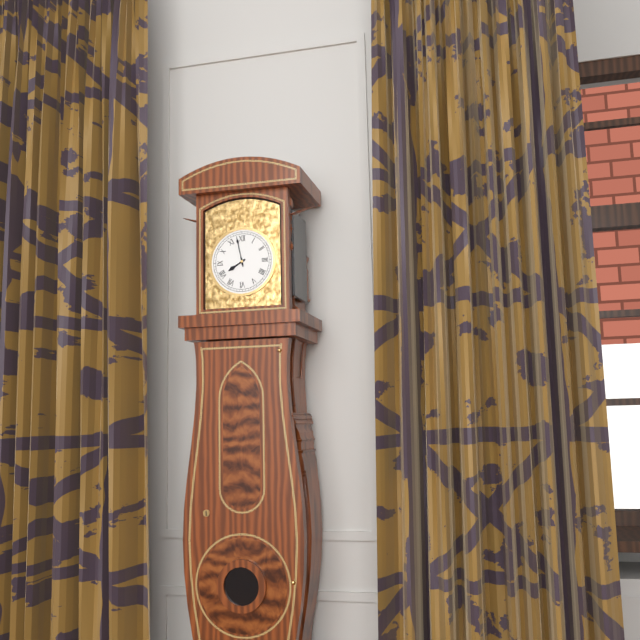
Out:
7.58
